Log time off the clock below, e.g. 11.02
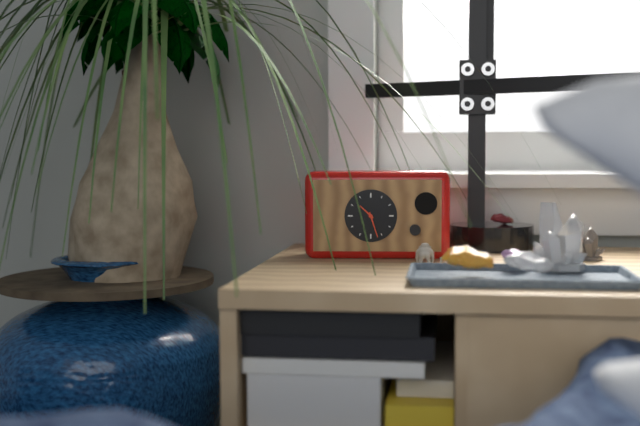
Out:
10.27
